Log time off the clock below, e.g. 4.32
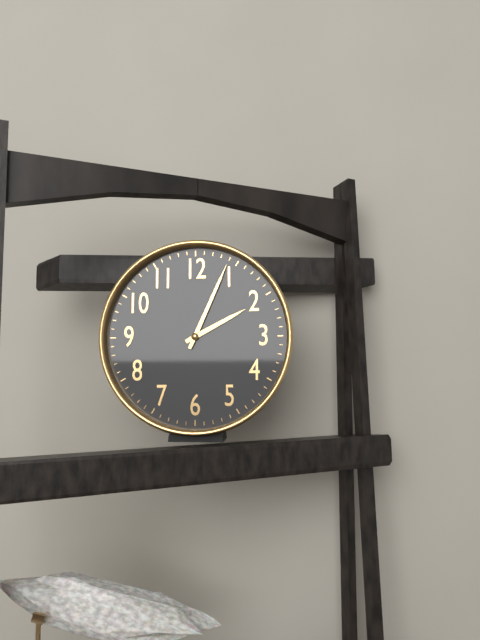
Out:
2.04
